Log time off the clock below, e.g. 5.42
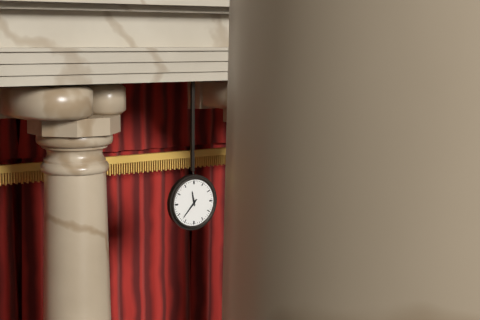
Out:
11.37
